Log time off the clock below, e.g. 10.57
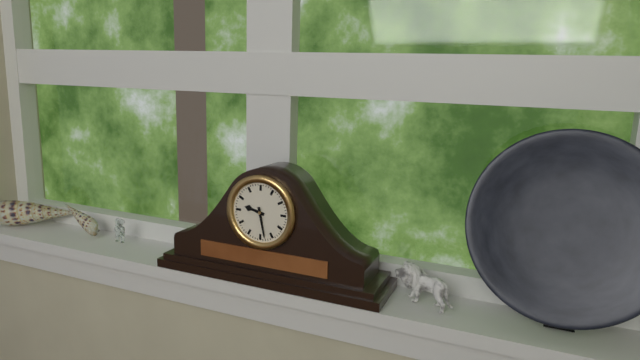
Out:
9.28
